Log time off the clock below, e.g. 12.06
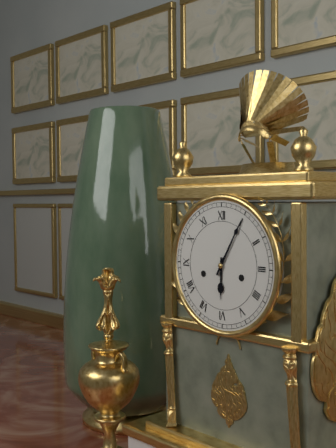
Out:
6.05
